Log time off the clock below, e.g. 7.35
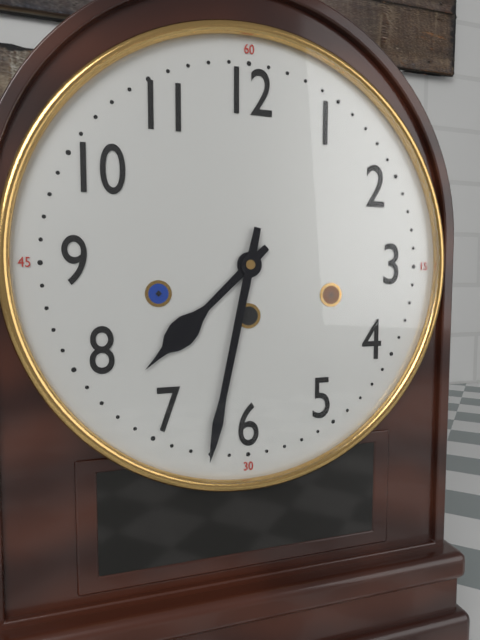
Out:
7.32
